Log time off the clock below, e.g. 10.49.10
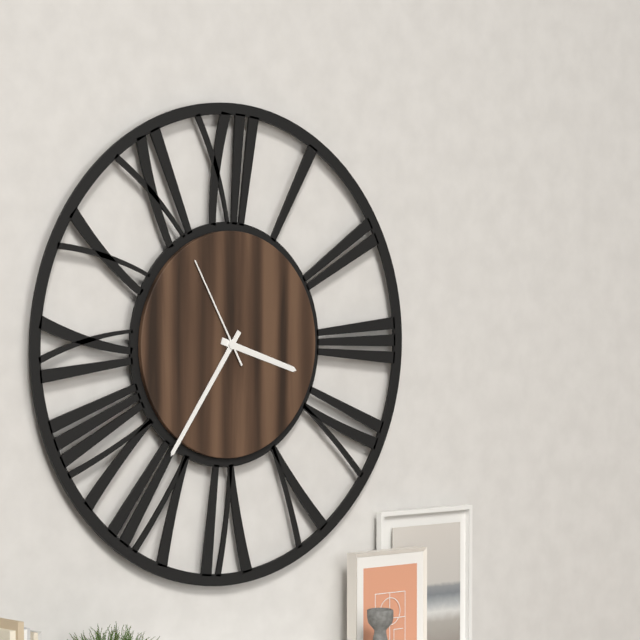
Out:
3.36.55
